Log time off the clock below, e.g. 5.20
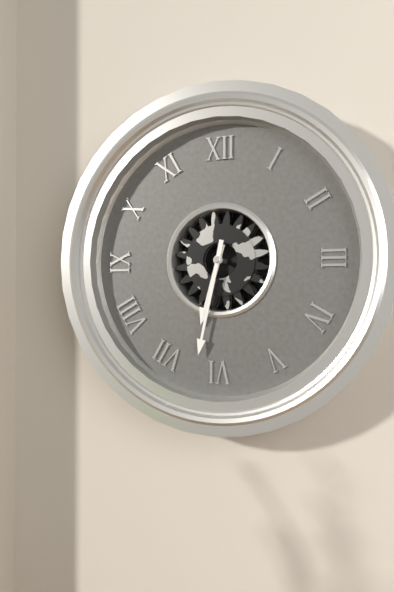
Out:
6.32
